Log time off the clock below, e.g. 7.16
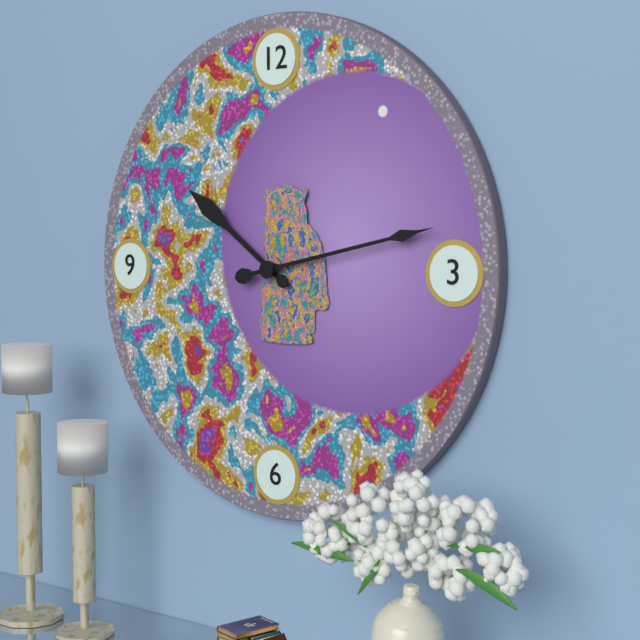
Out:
10.13
